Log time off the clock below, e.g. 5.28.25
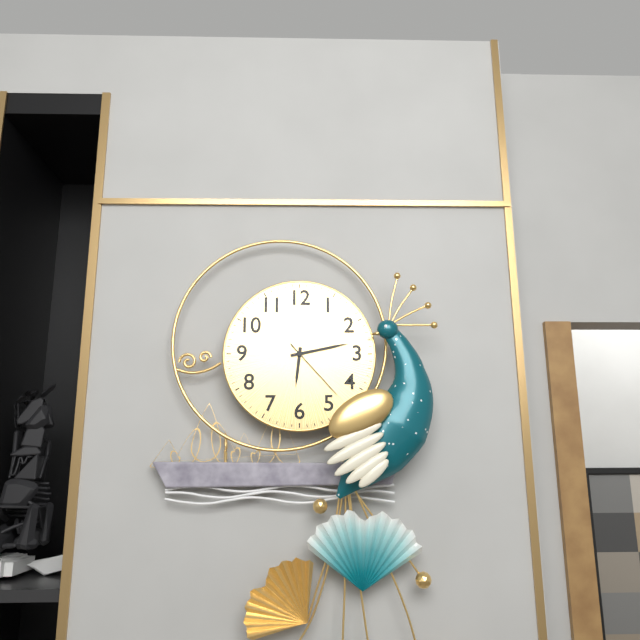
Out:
6.13.23
